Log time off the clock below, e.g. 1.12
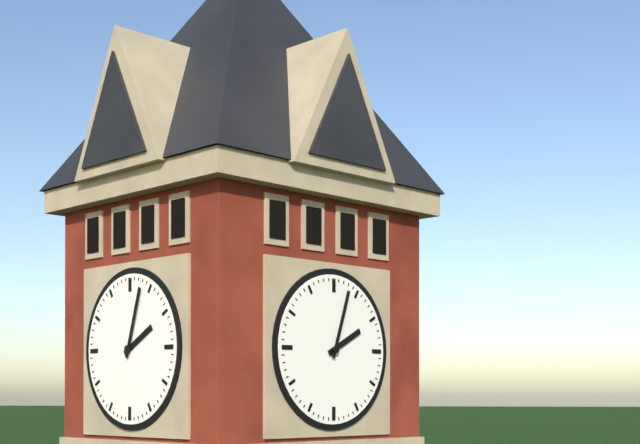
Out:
2.03
